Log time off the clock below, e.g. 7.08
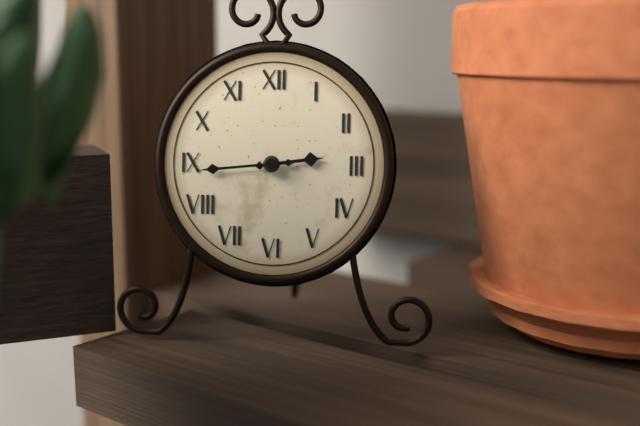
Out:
2.44
